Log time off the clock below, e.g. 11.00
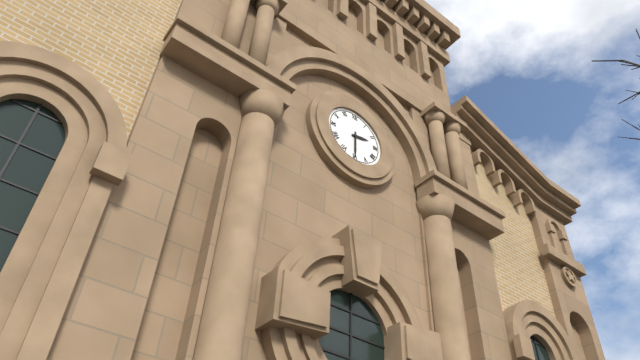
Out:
2.30
